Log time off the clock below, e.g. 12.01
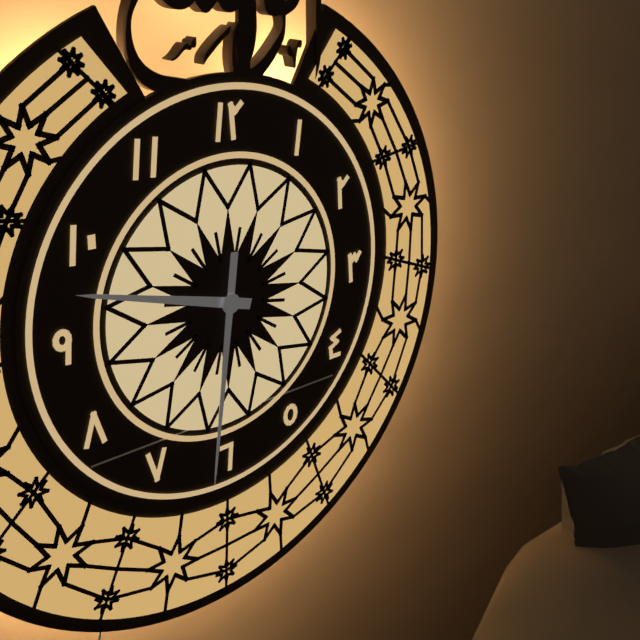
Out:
9.31
